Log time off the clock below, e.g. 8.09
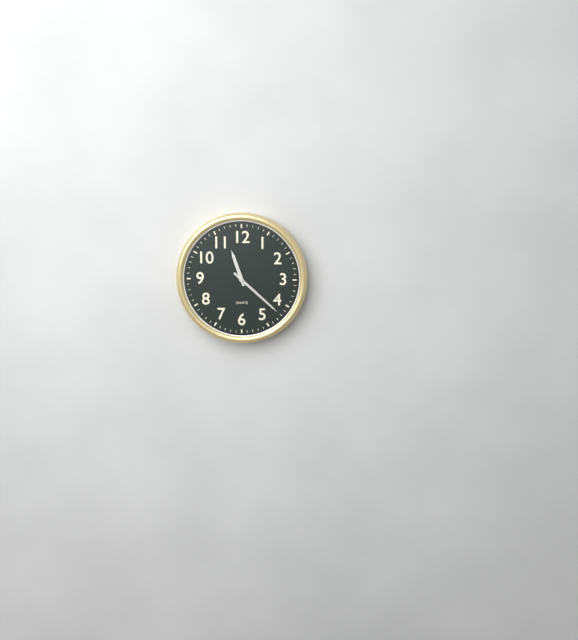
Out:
11.22
